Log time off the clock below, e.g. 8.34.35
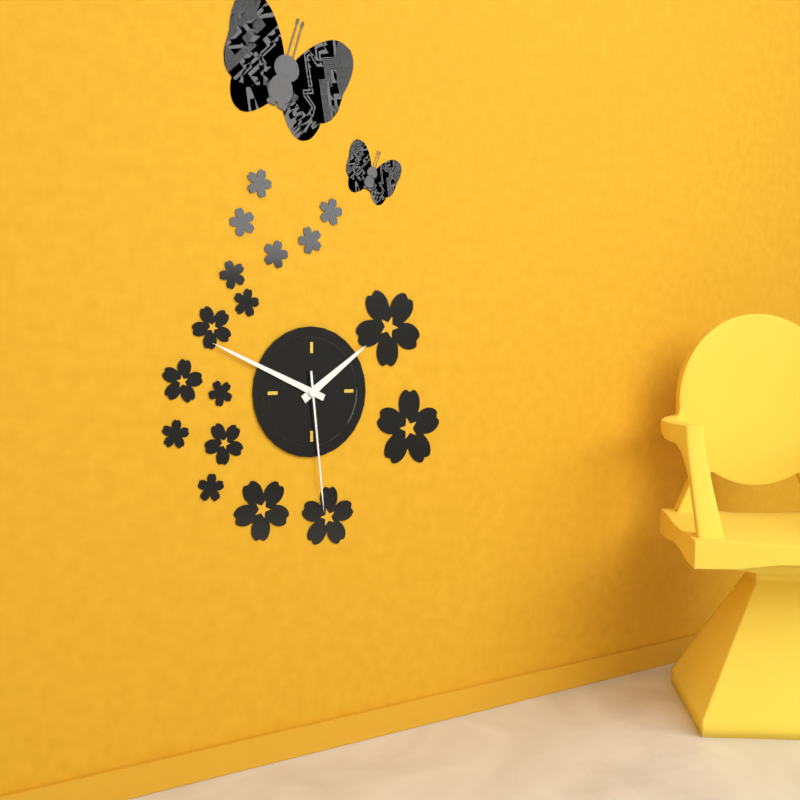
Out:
1.49.29
